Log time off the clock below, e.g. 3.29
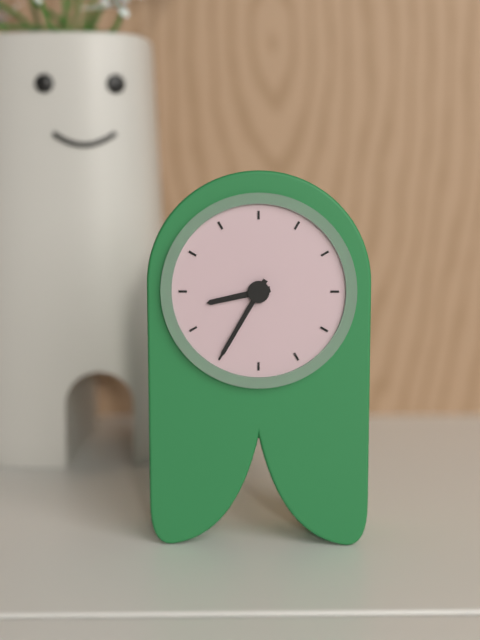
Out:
8.35
